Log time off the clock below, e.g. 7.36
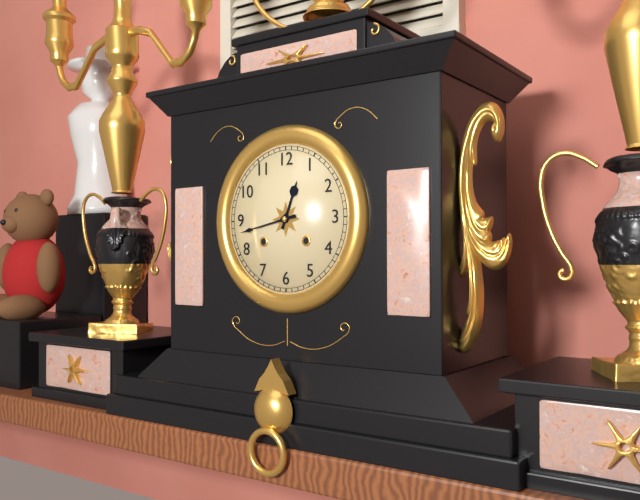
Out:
12.43
